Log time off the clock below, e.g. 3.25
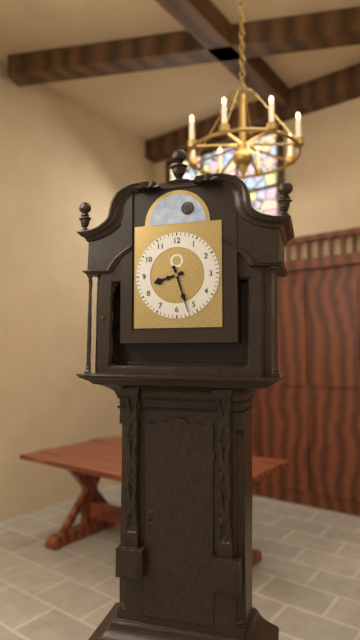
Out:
8.27
